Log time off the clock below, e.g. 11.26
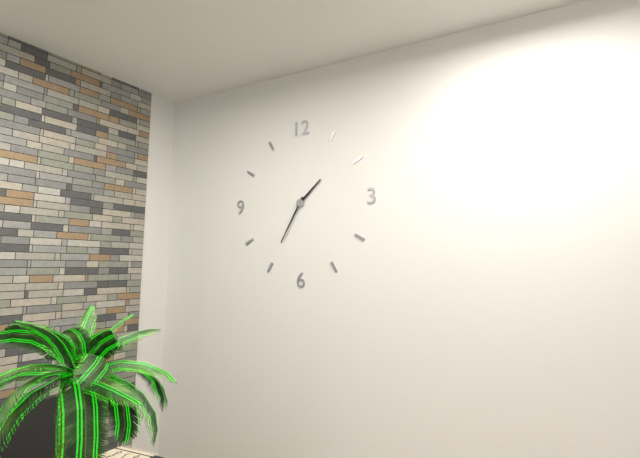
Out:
1.35
